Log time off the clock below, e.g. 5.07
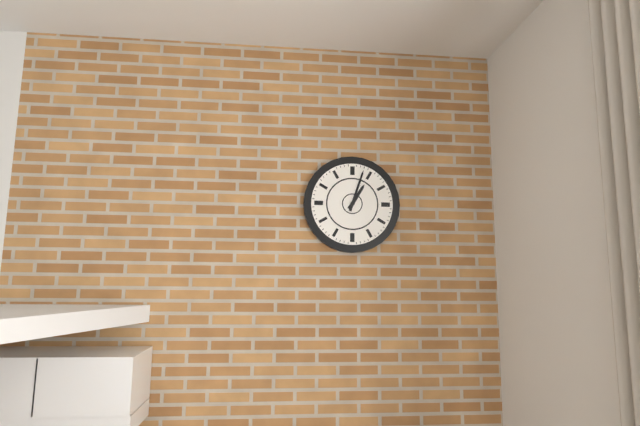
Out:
1.03
